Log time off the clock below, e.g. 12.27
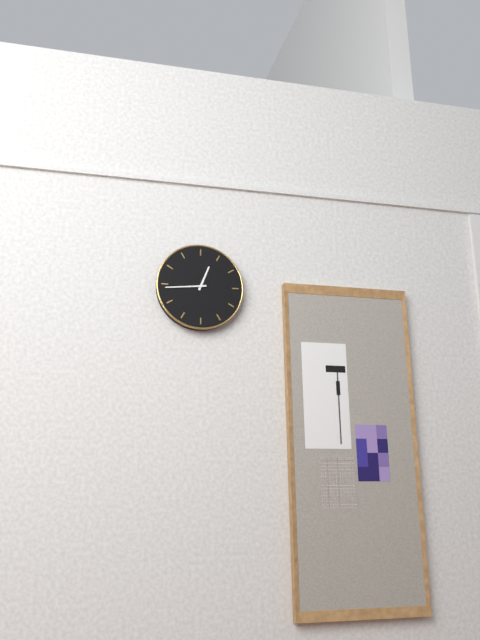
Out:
12.44
